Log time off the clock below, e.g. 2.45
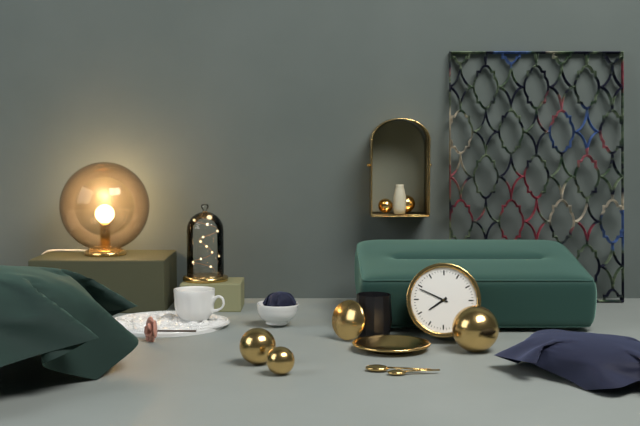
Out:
7.49
